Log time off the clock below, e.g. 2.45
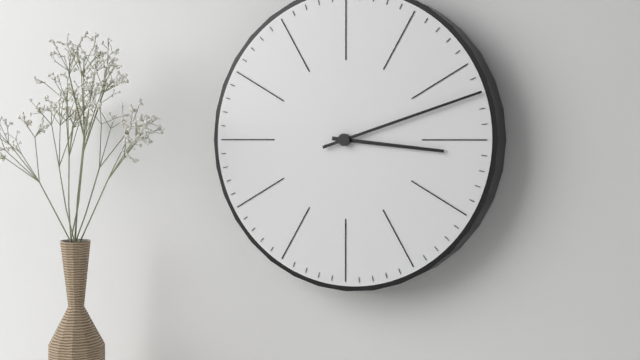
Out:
3.12
